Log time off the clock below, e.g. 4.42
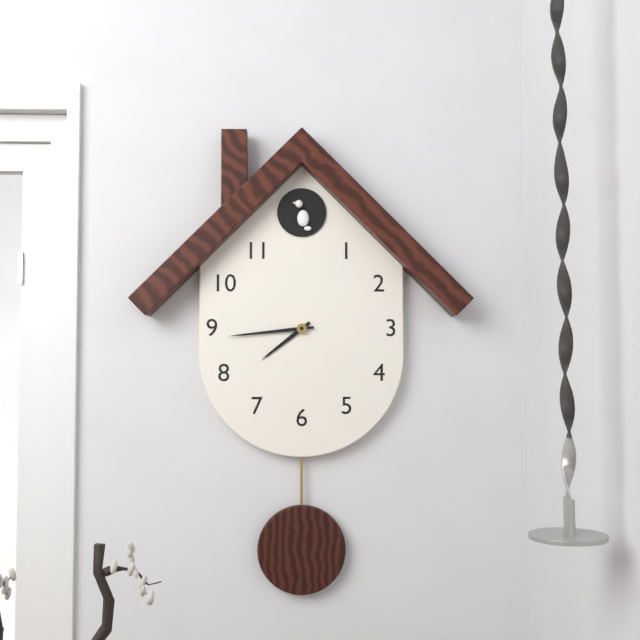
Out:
7.44
